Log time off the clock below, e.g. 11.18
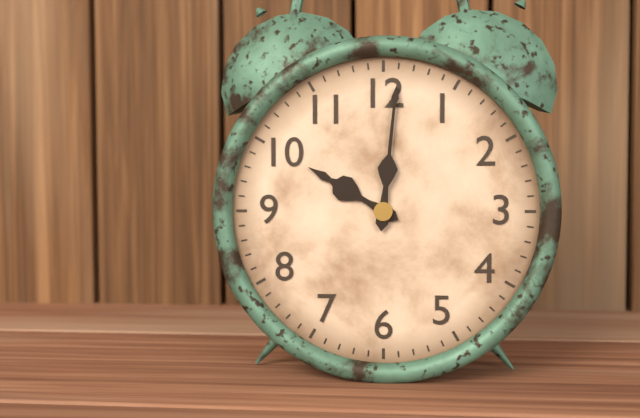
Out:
10.01
